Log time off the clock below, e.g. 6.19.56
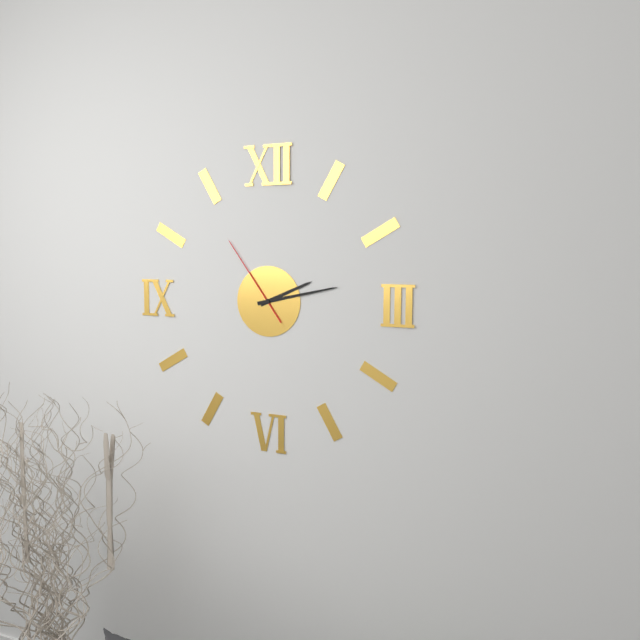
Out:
2.13.54
